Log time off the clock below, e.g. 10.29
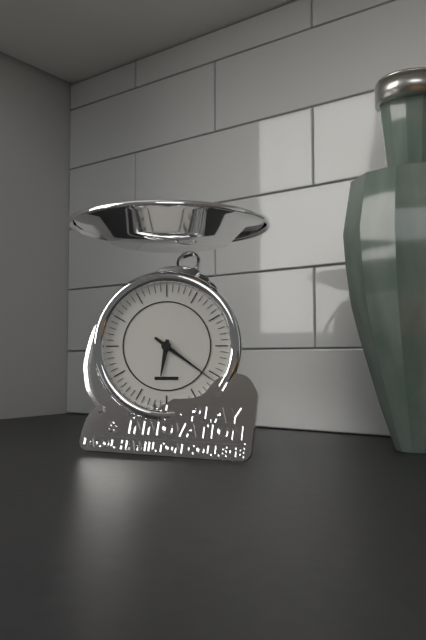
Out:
6.21
